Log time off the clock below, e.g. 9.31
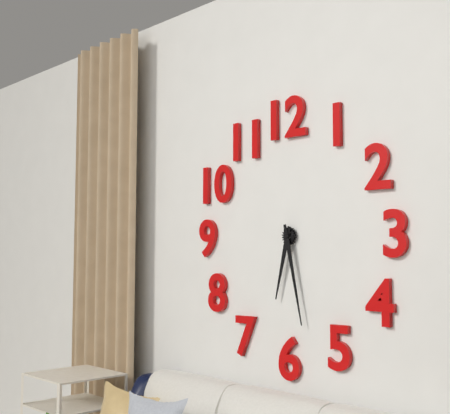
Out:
6.28
